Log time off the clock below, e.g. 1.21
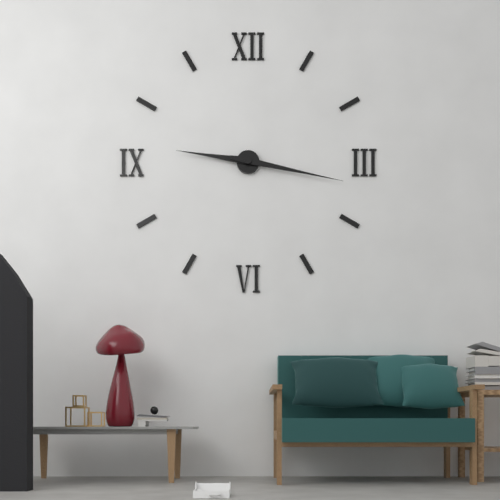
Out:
9.17
